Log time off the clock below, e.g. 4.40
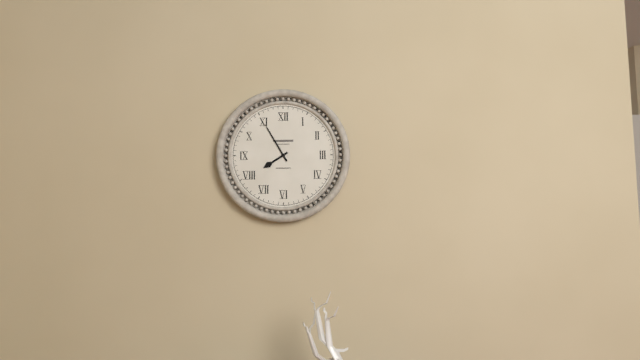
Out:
7.55
